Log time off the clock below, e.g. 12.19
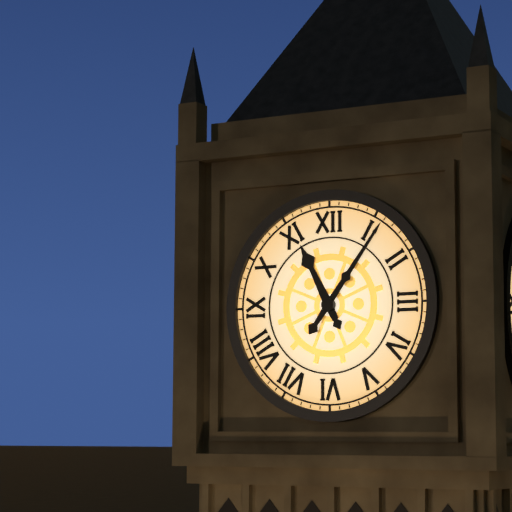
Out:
11.06
